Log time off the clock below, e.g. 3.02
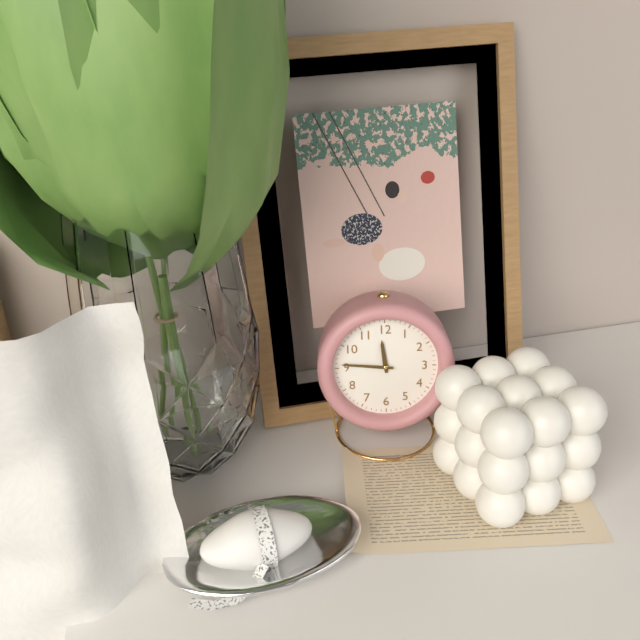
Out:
11.46
